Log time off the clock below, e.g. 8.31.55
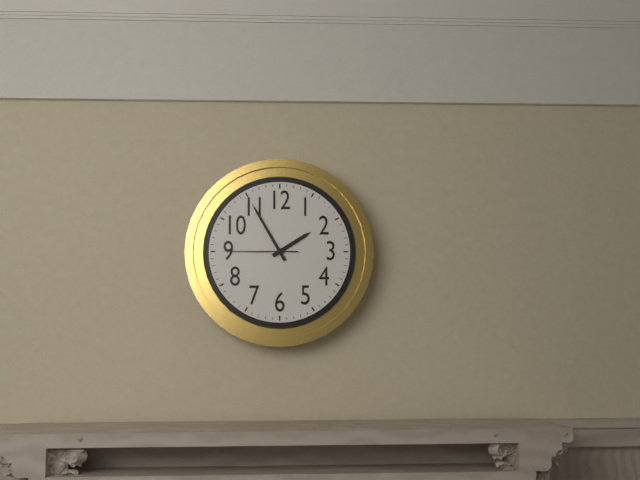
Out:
1.55.45
